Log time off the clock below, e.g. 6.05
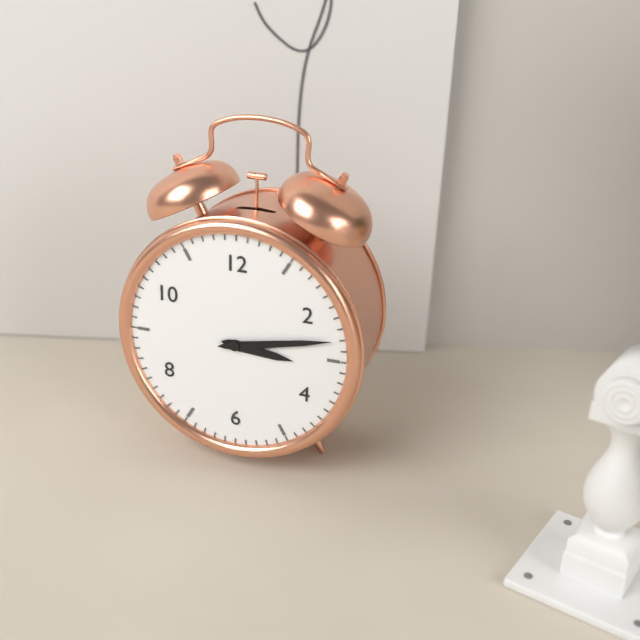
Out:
3.13
